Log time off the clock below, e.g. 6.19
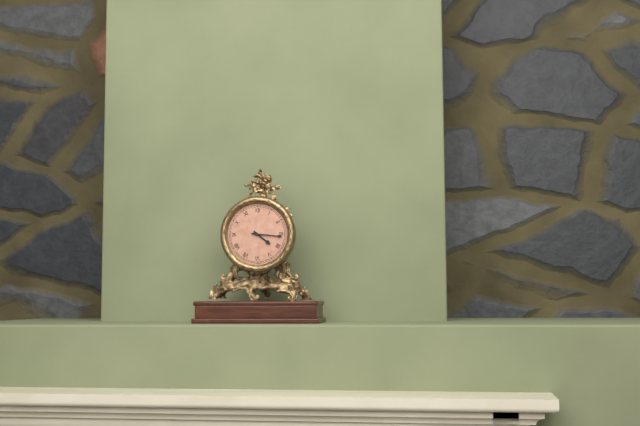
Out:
4.16
